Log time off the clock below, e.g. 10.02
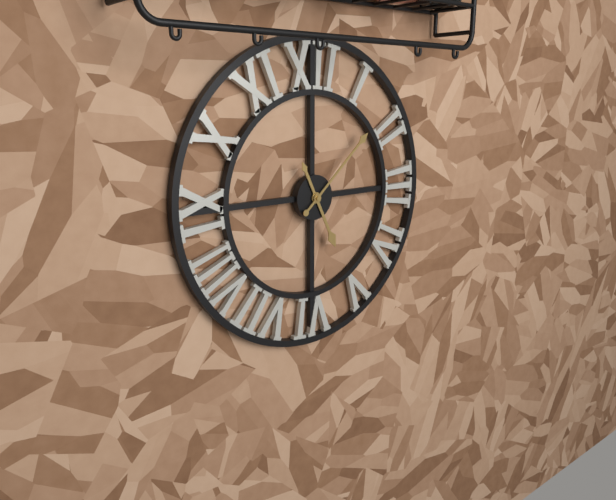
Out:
5.08
